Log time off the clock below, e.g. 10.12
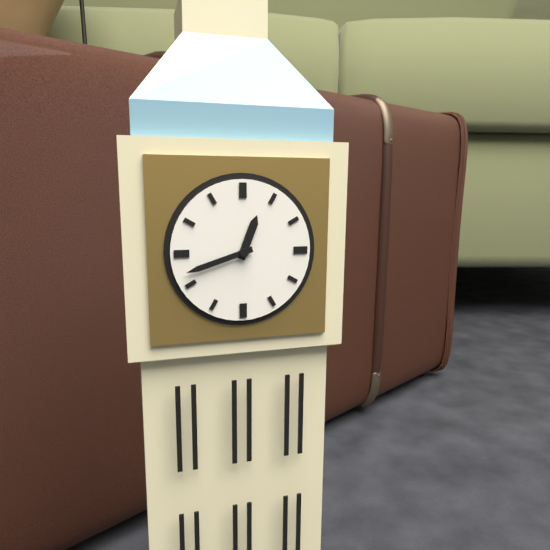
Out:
12.42
